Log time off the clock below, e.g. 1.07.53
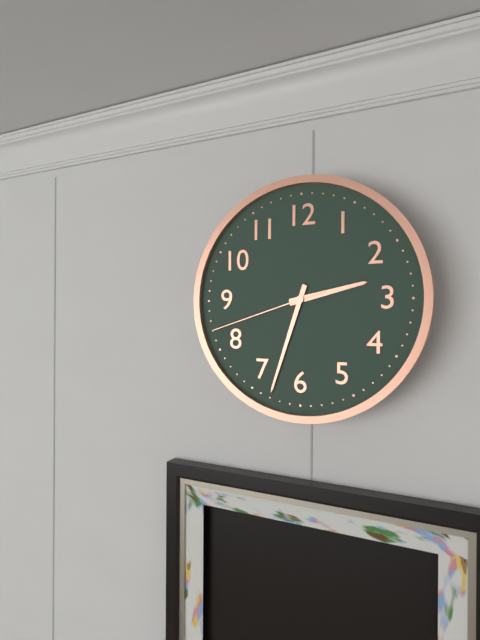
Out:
2.33.42
